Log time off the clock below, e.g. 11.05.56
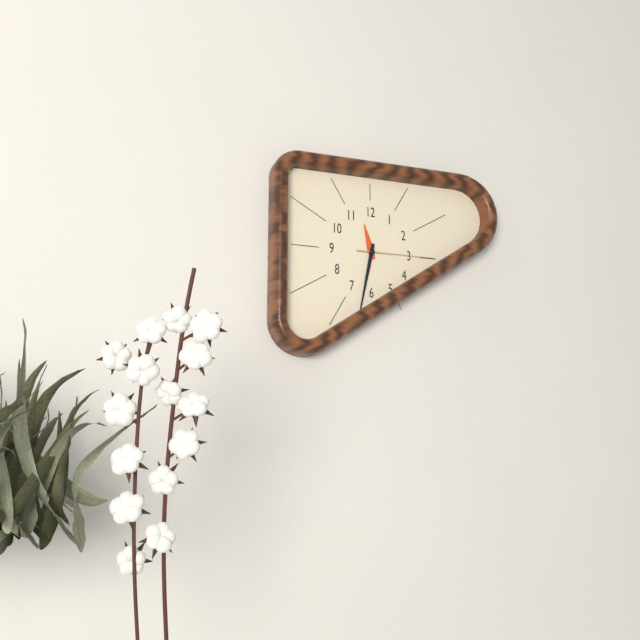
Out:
11.32.15
